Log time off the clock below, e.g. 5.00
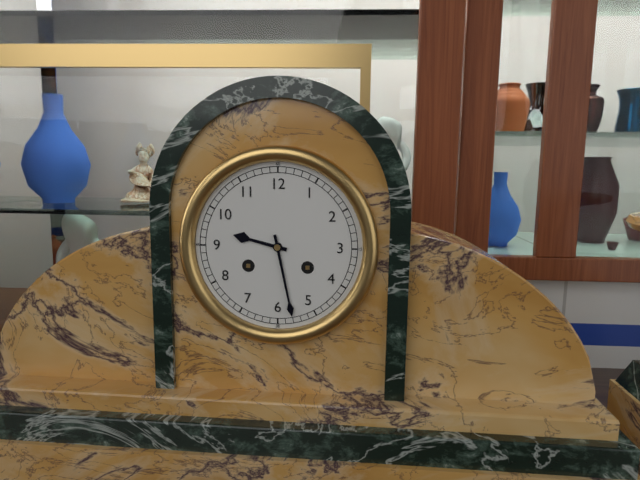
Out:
9.28
